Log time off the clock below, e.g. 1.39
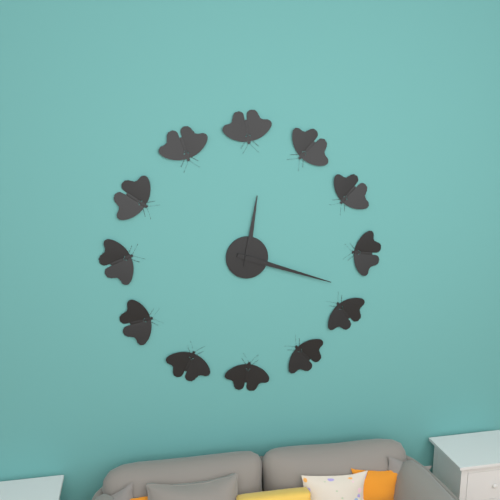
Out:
12.18
